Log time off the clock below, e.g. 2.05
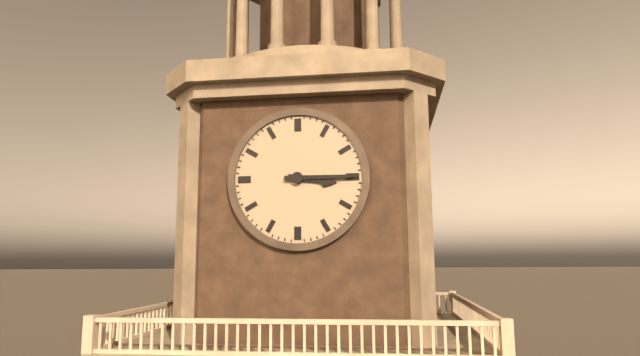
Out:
3.15
